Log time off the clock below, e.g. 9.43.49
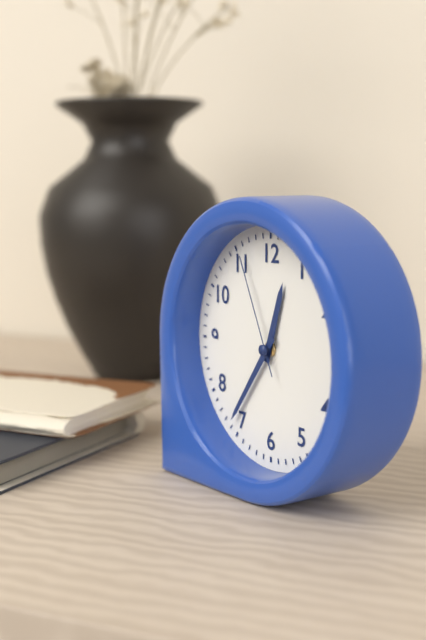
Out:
12.36.56
